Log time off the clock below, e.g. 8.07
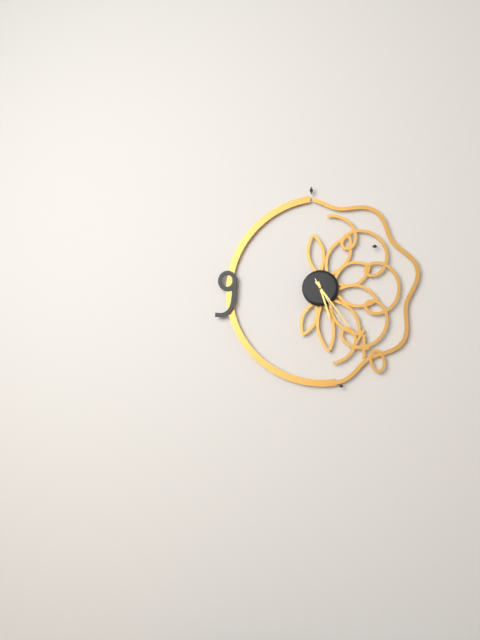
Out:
5.24
